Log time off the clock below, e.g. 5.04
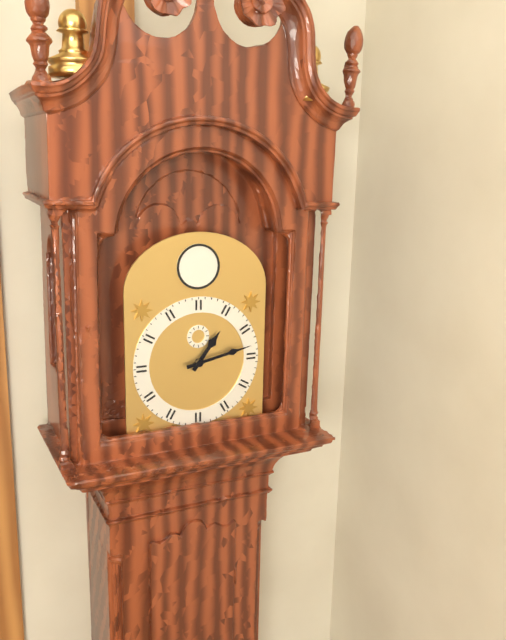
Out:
1.13
